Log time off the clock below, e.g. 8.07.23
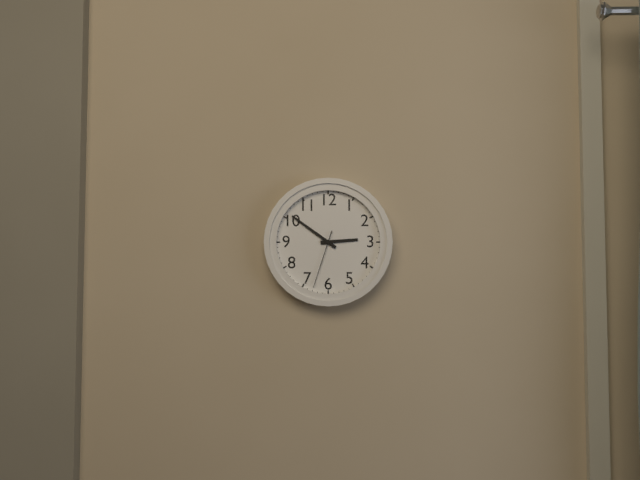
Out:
2.51.33
